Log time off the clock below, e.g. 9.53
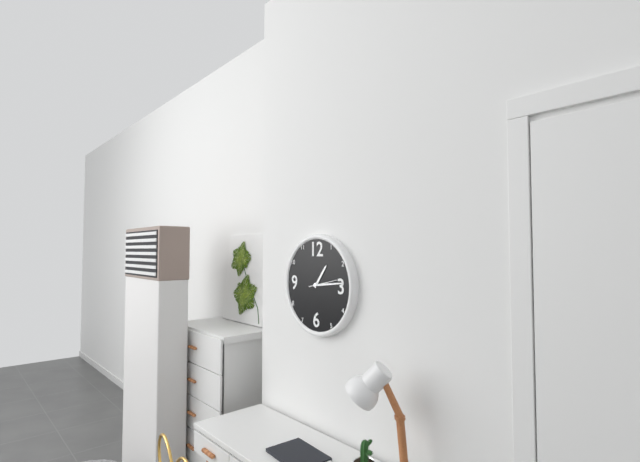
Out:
1.14
